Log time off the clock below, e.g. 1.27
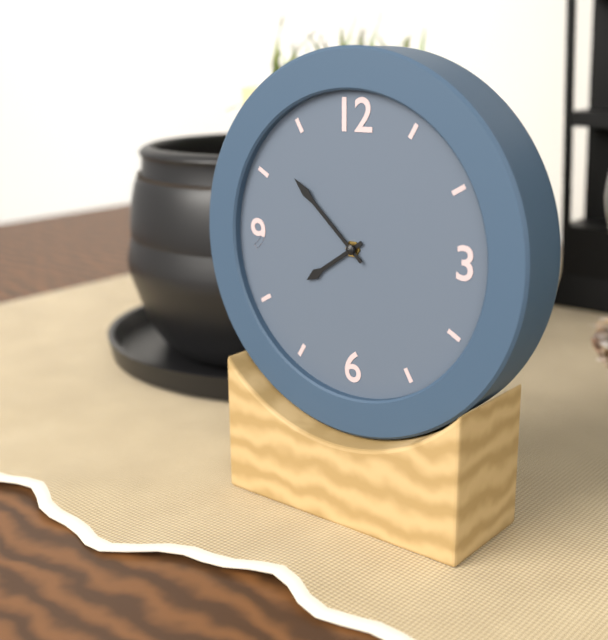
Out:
7.52
